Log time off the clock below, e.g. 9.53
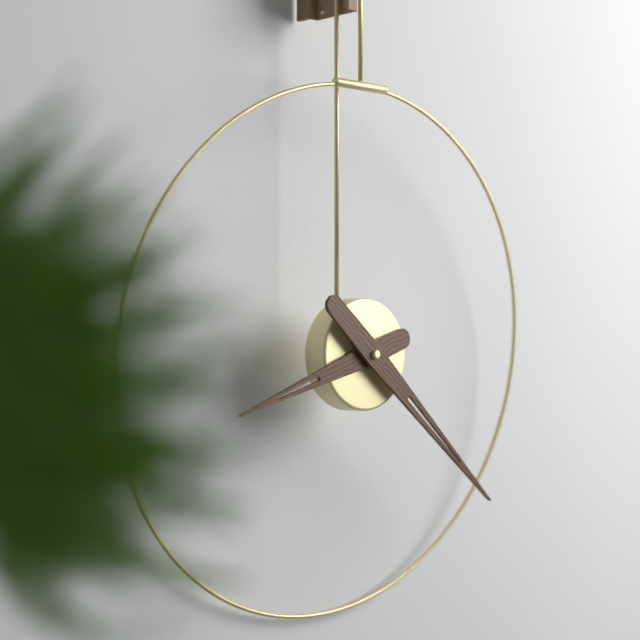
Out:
8.22
